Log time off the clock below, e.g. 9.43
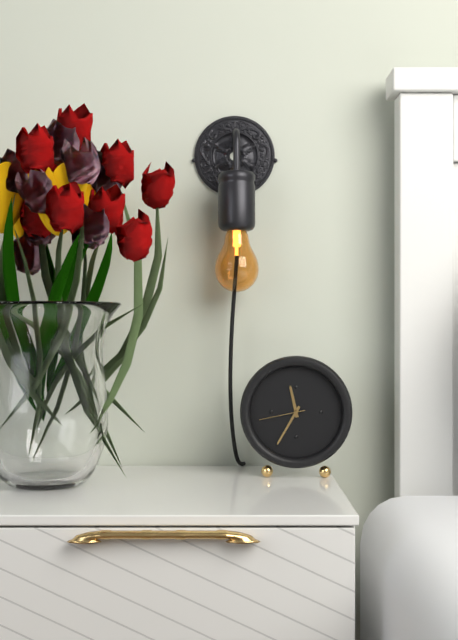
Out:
11.35
